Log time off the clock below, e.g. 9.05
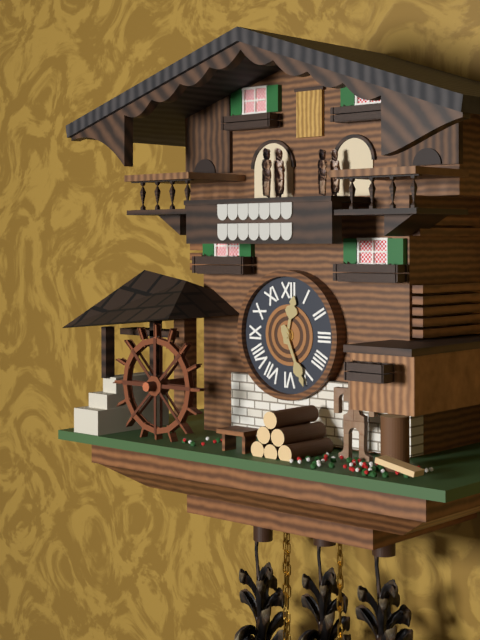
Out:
12.26
